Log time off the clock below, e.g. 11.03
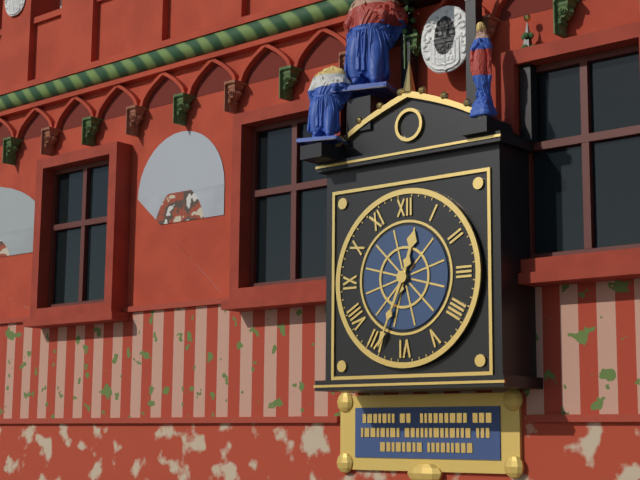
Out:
12.34
